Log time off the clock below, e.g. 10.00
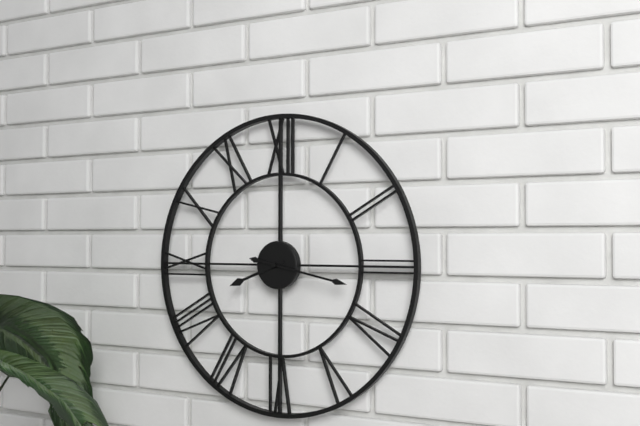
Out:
8.17
